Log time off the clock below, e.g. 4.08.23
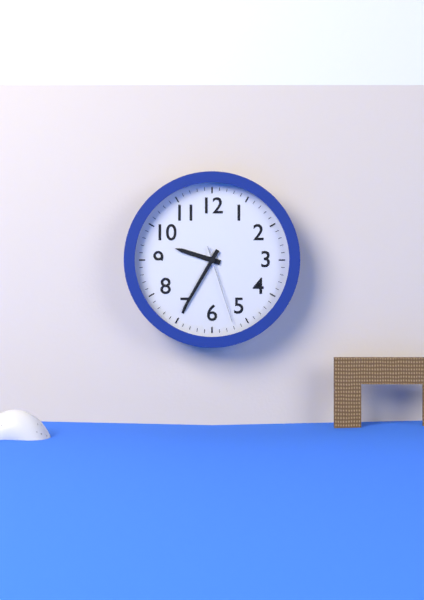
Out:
9.35.27
